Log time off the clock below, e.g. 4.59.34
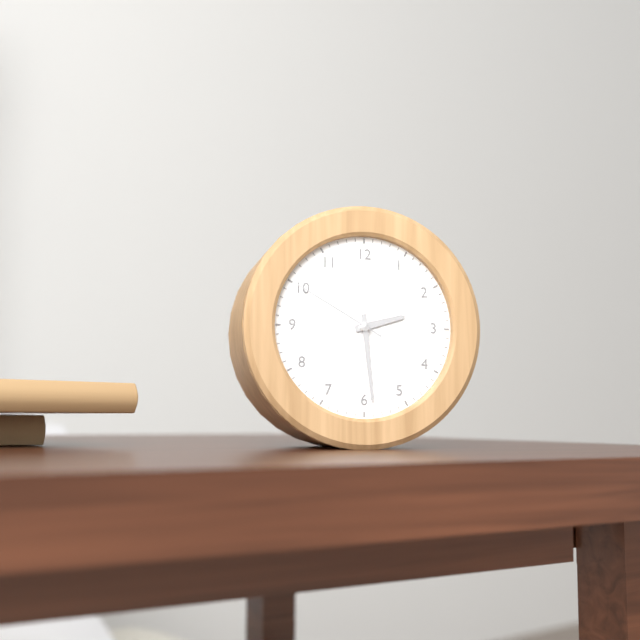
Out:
2.29.50
